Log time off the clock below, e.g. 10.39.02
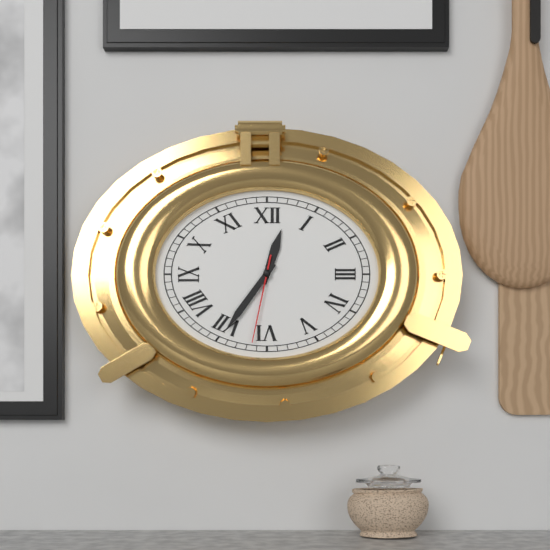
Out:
12.36.32
